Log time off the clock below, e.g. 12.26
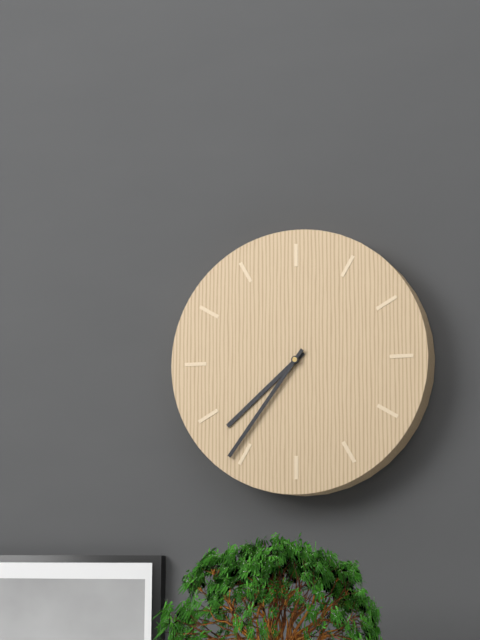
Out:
7.36
